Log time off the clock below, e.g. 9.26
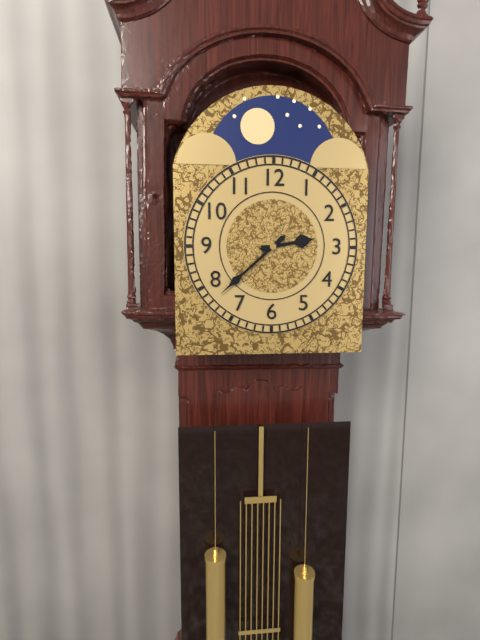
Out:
2.38
